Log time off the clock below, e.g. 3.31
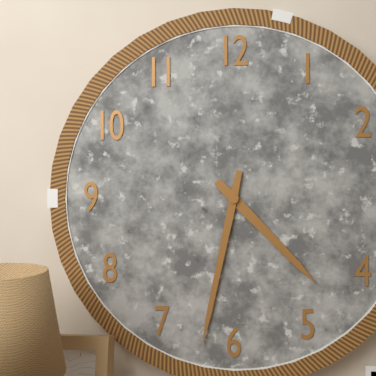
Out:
4.32
